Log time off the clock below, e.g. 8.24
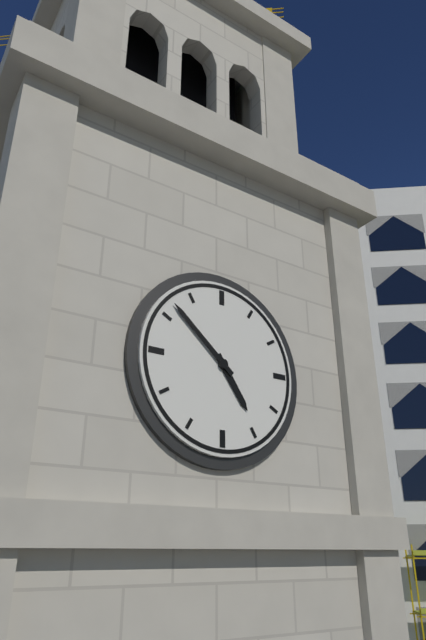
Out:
4.52
